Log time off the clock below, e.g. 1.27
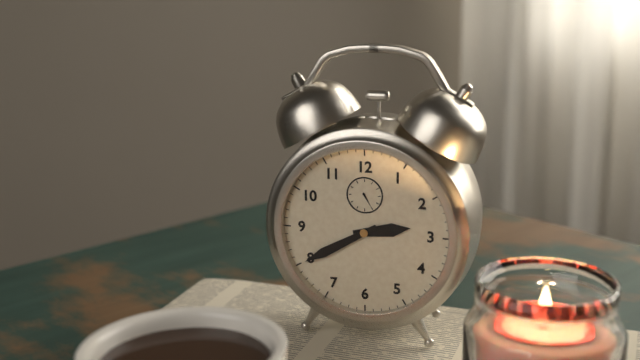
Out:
2.40
